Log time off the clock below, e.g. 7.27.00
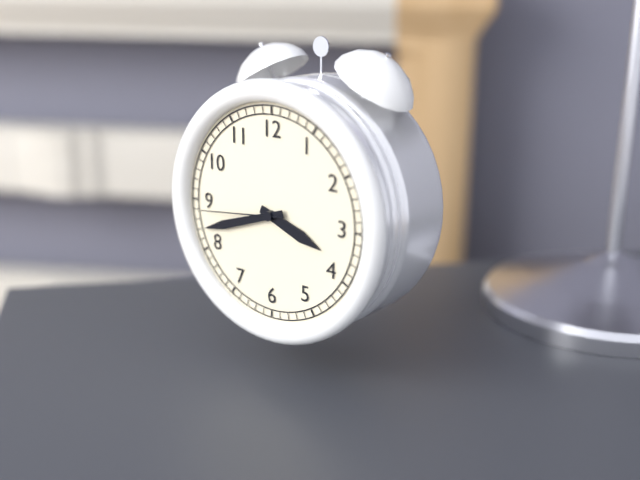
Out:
3.42.44
